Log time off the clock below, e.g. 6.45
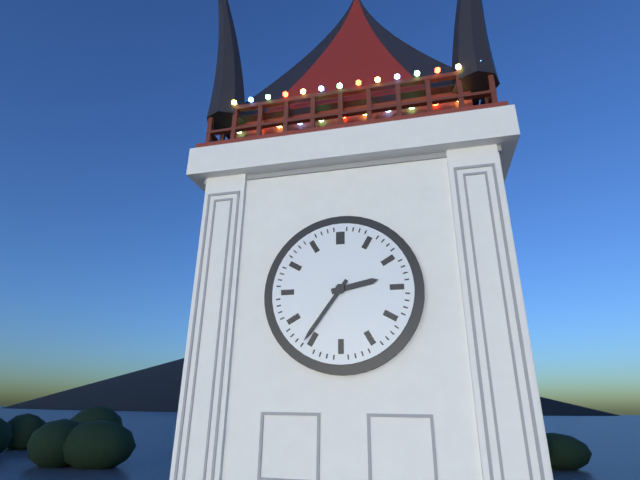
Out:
2.36
